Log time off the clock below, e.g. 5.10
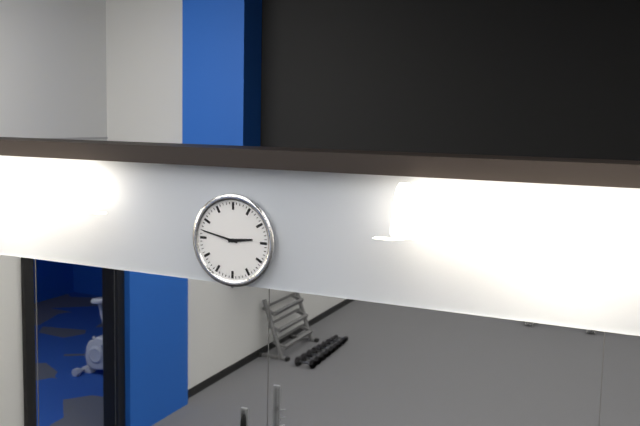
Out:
2.47
